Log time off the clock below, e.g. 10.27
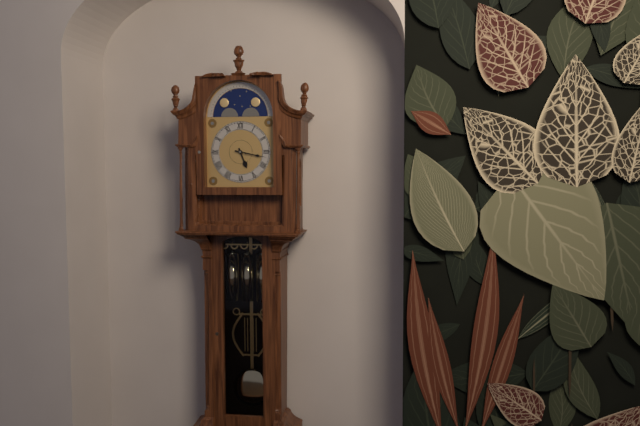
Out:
5.17
